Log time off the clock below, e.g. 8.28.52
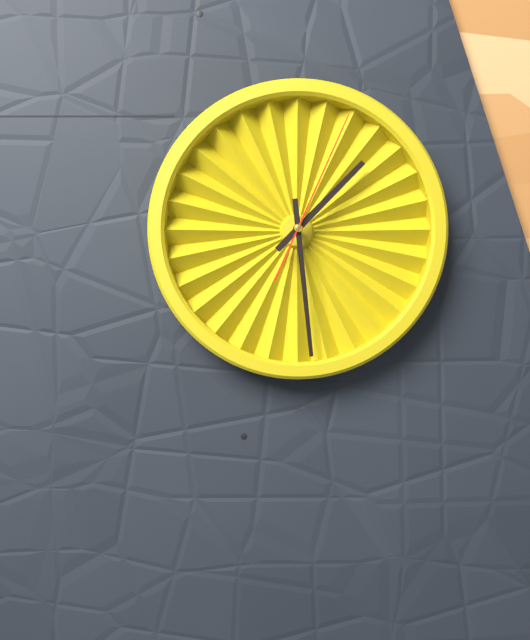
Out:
1.29.04
